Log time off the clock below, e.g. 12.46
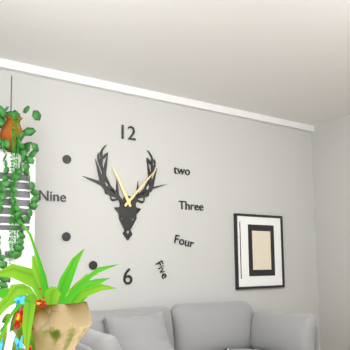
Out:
11.07
